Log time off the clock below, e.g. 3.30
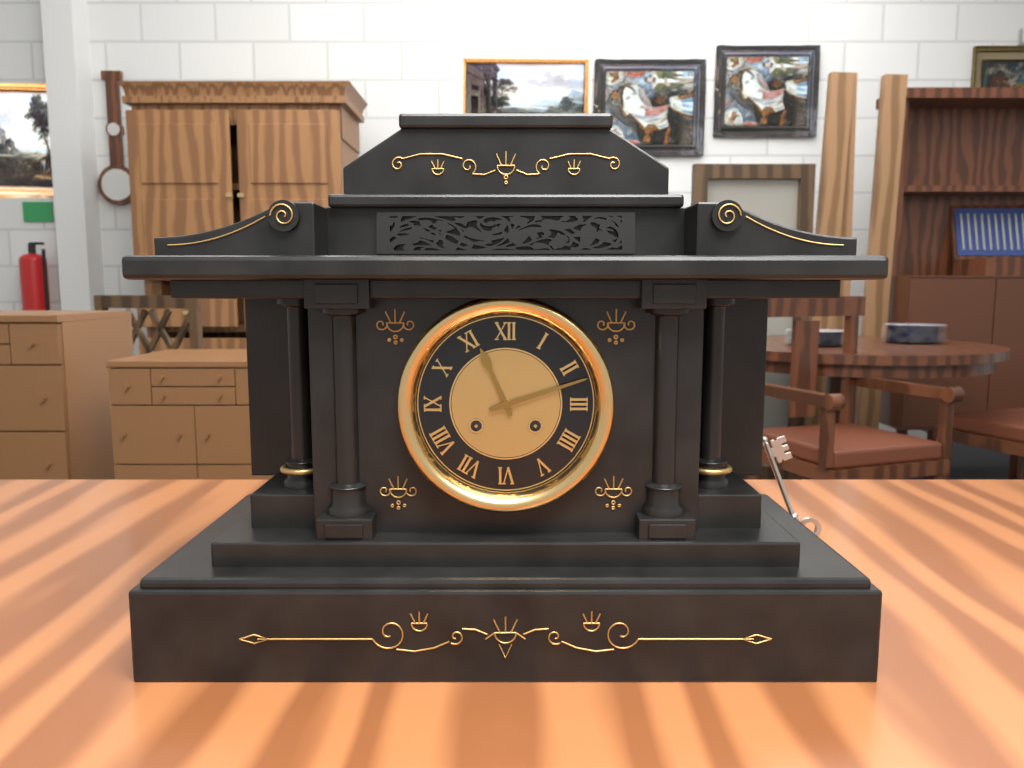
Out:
11.12
